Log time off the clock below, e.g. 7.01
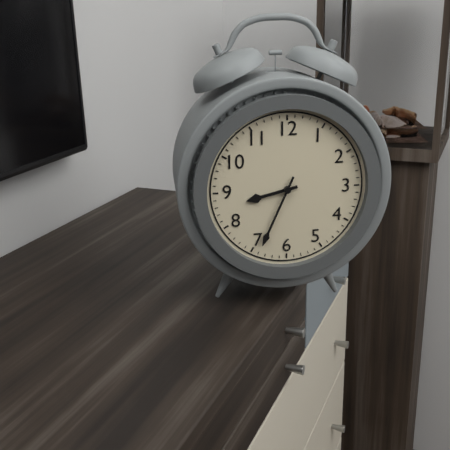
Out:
8.34
